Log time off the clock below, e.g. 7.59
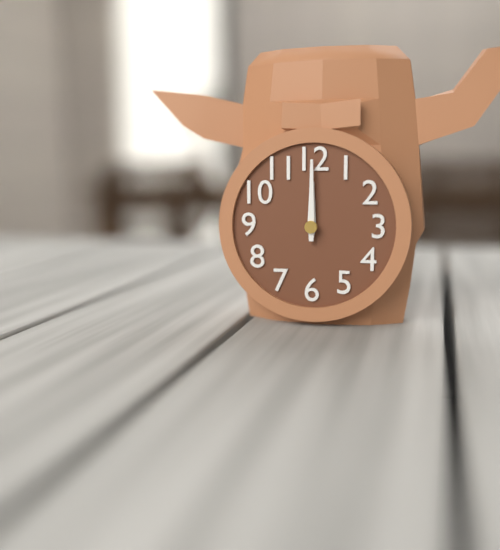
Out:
12.00
